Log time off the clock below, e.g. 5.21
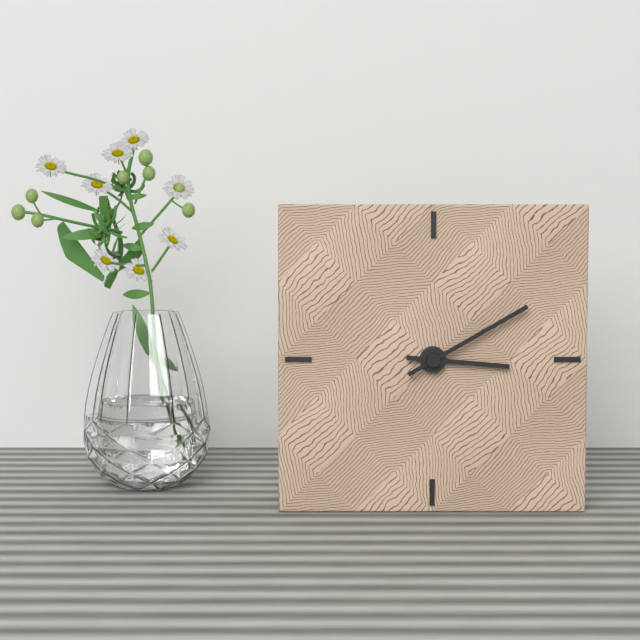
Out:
3.10
